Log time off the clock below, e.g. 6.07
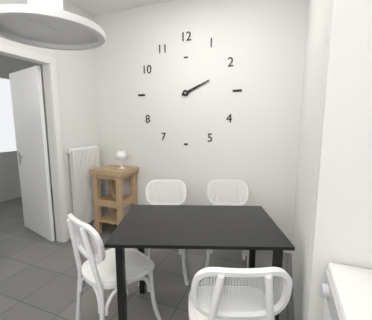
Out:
2.11
